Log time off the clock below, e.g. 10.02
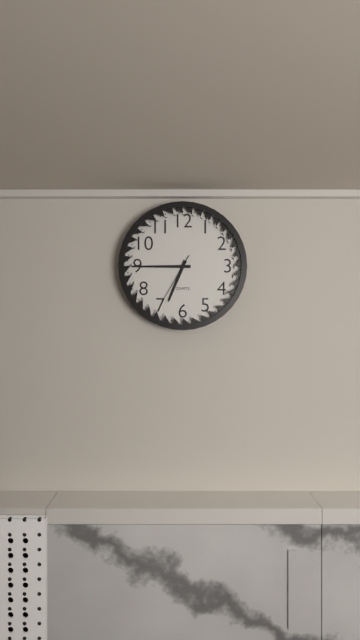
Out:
6.45
